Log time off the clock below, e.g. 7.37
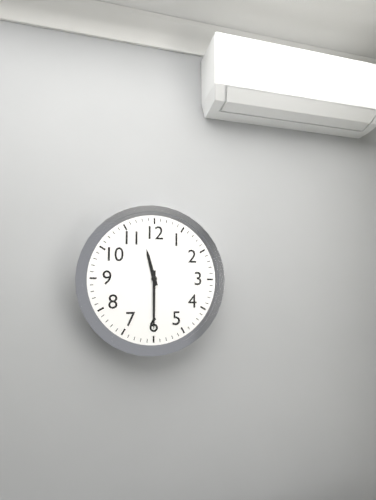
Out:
11.30
